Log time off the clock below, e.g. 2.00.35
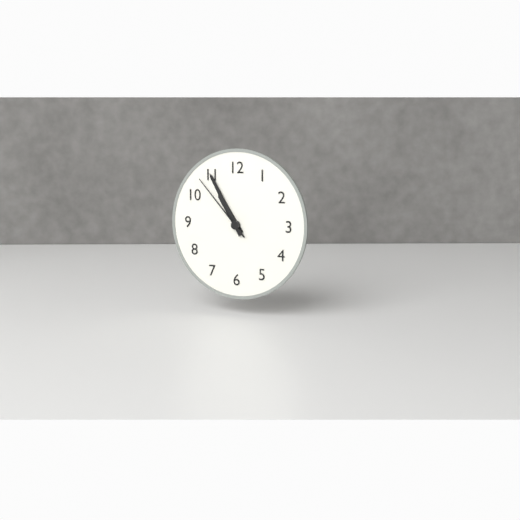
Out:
10.55.53
